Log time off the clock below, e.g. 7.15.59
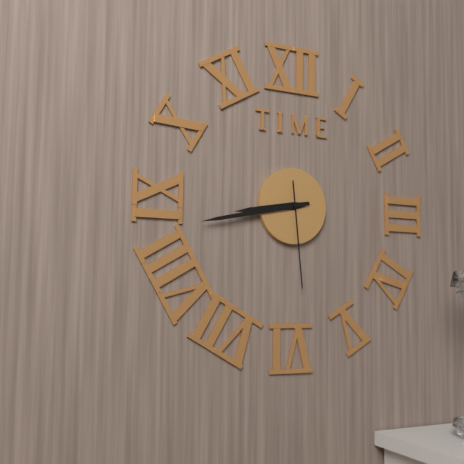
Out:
8.43.29
